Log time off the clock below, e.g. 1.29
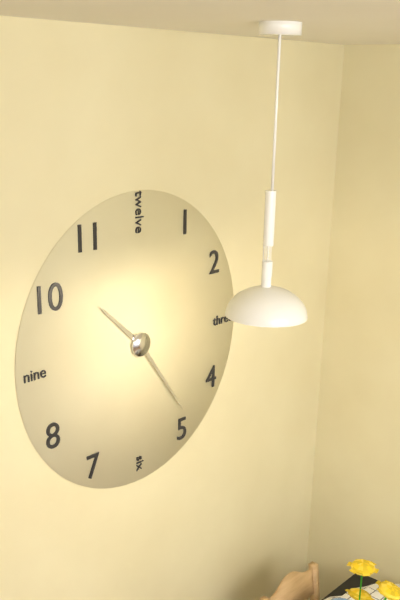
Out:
10.24
